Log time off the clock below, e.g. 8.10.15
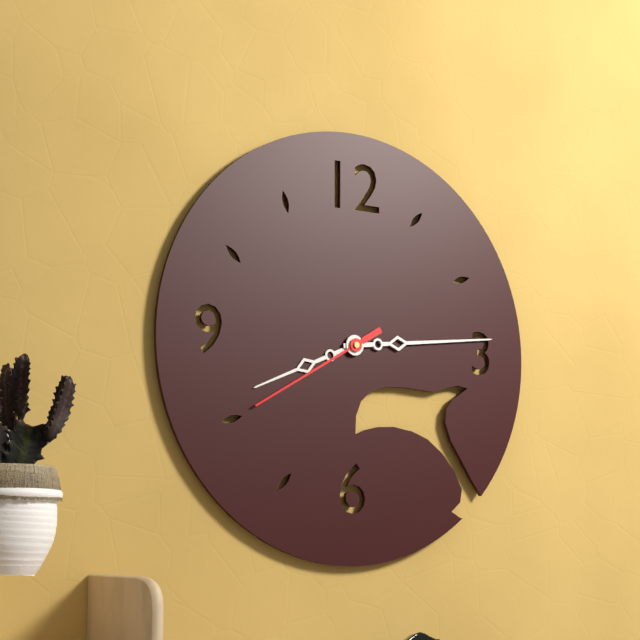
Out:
8.14.40
